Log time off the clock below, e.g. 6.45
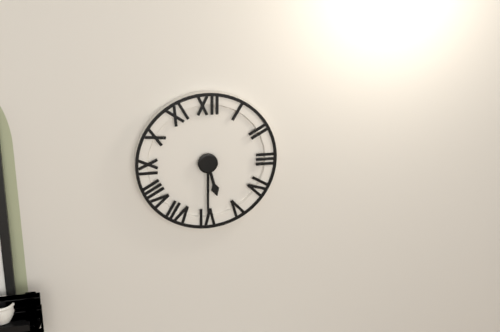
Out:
5.30
